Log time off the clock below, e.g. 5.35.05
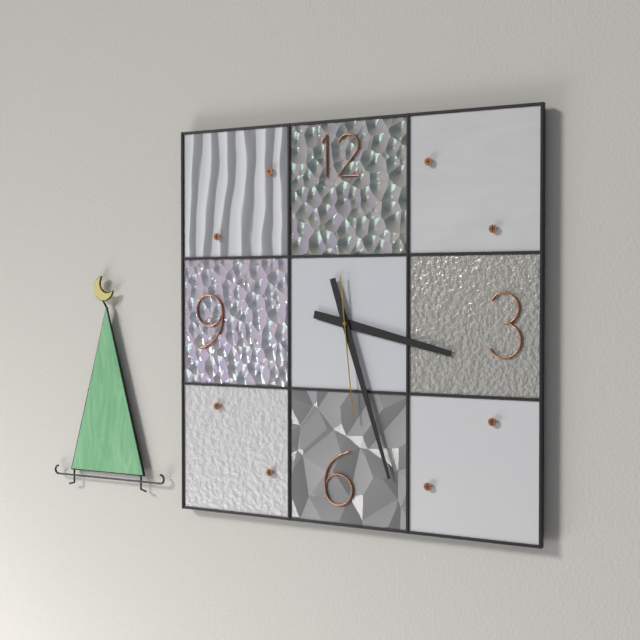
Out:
3.27.29
